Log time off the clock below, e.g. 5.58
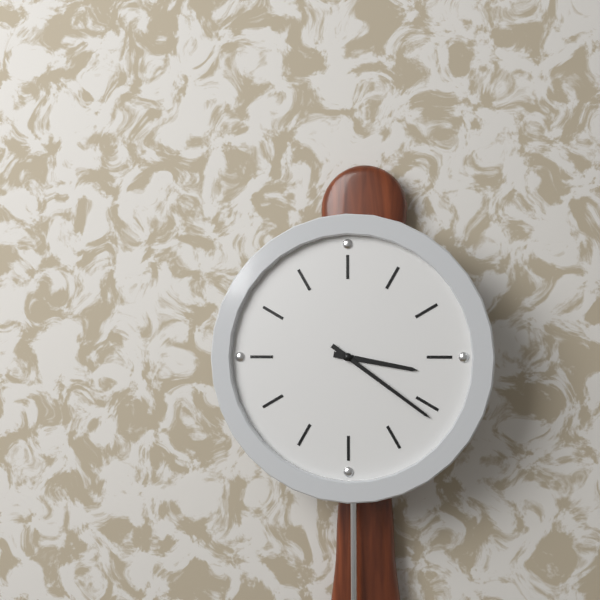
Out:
3.21
